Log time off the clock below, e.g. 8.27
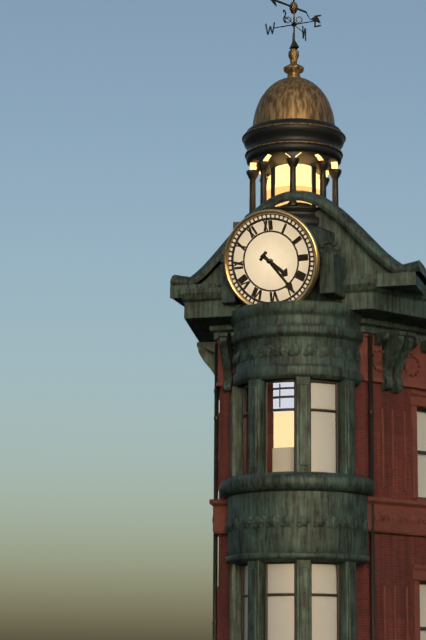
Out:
4.24
